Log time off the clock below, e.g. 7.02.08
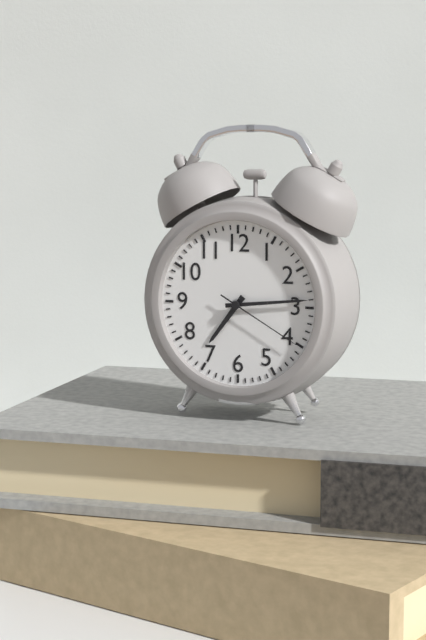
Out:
7.14.20
